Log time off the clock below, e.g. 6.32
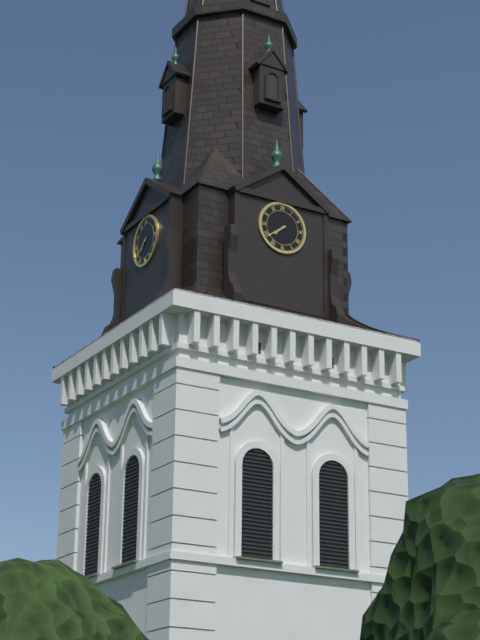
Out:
7.39
